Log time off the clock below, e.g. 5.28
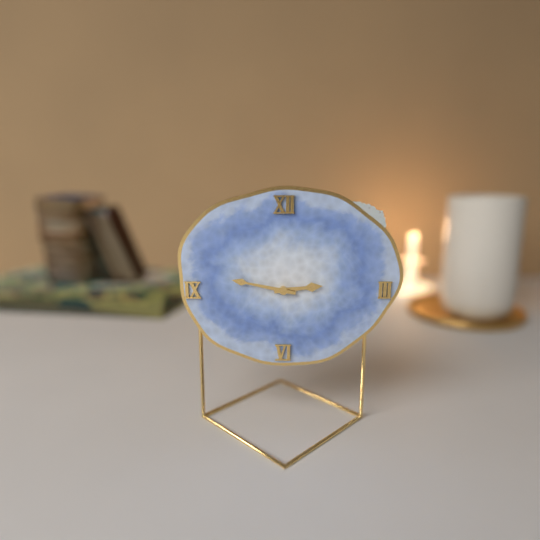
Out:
2.47
